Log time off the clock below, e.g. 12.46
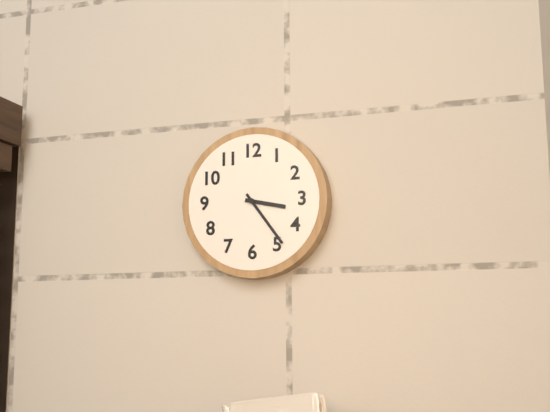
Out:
3.24
